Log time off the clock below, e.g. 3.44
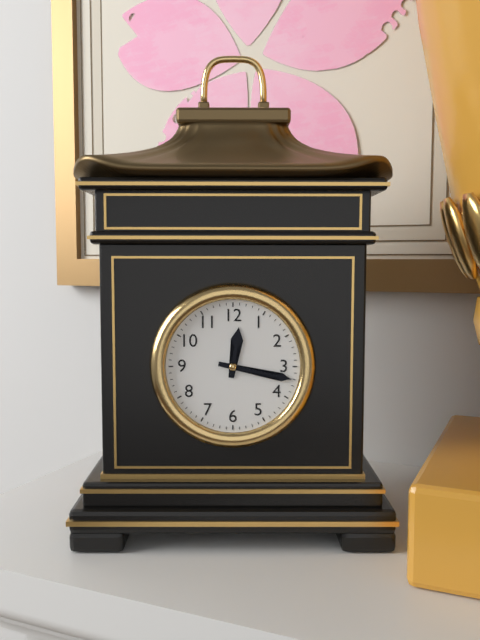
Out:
12.17
